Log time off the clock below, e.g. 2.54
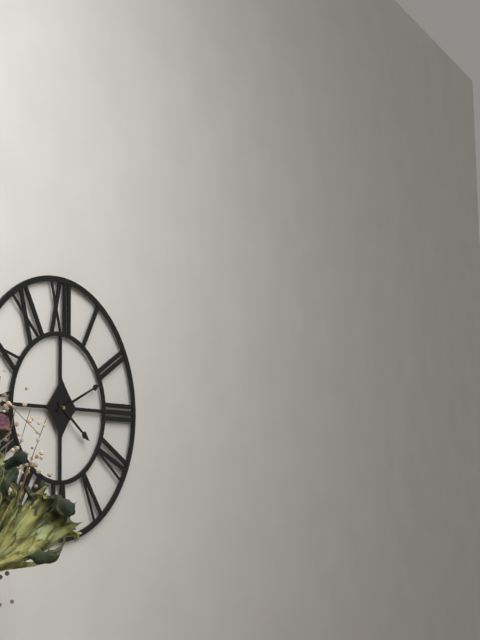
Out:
4.11
